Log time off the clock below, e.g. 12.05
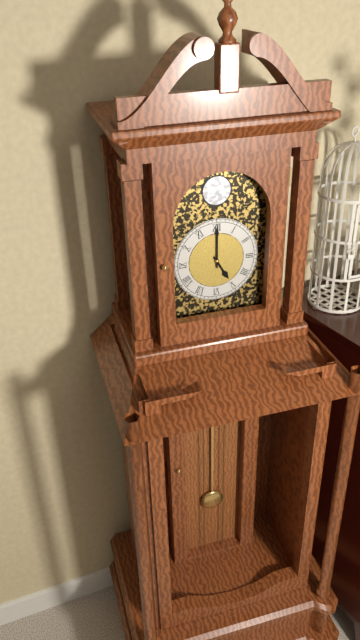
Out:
5.00
